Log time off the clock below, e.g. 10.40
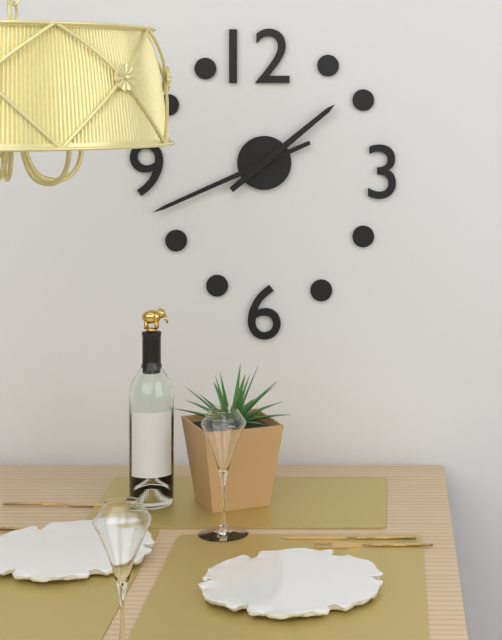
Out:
1.41
